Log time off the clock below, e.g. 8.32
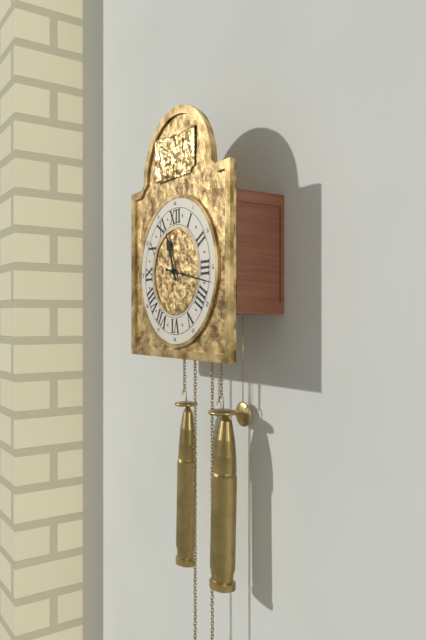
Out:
11.17
